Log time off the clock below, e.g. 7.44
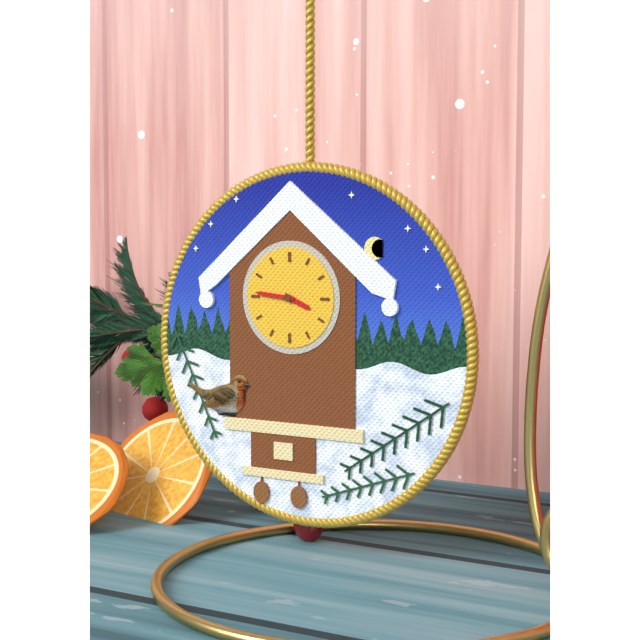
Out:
3.46
